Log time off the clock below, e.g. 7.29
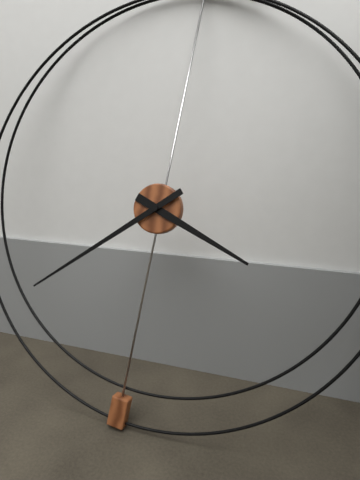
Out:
3.38
